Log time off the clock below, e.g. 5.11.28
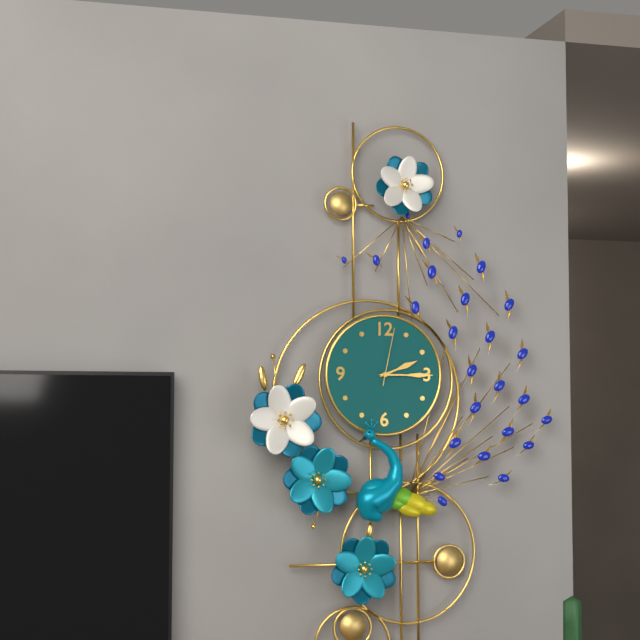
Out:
2.15.02
